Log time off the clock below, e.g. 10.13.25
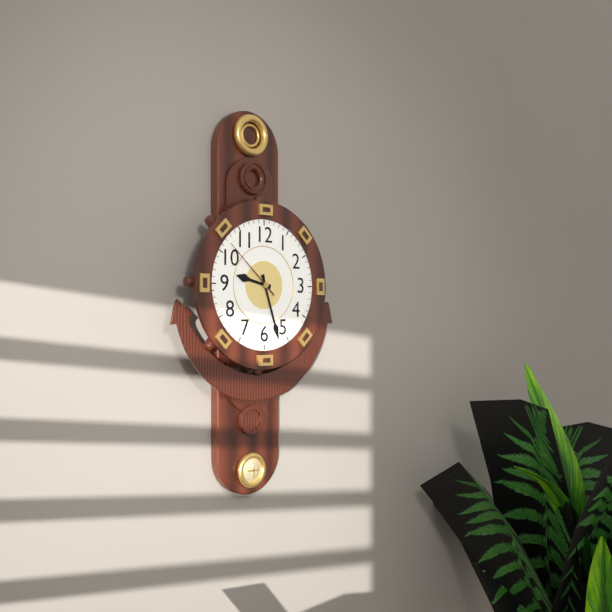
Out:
9.27.52
